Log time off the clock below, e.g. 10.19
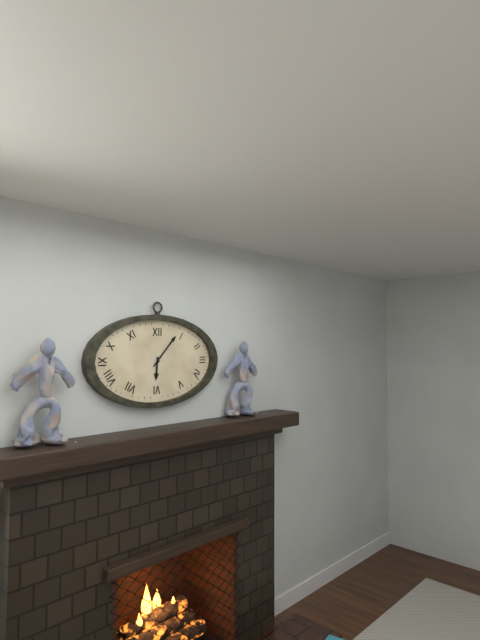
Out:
6.07
